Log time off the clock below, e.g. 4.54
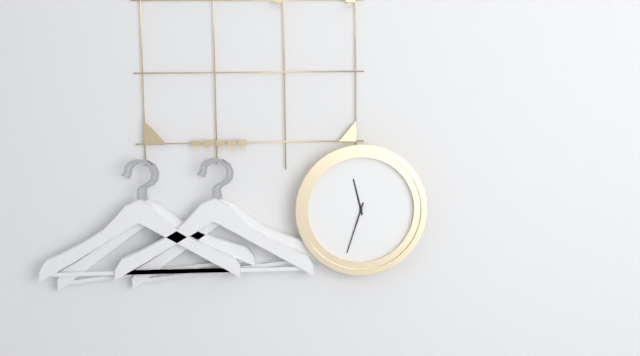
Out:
11.33
